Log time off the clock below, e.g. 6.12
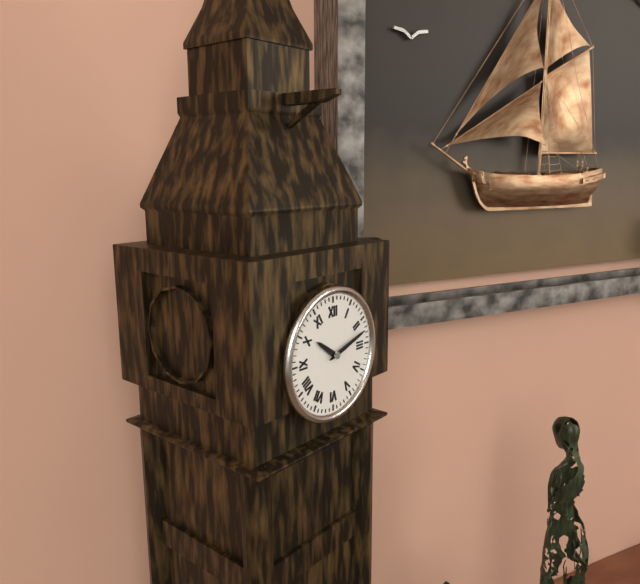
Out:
10.12
